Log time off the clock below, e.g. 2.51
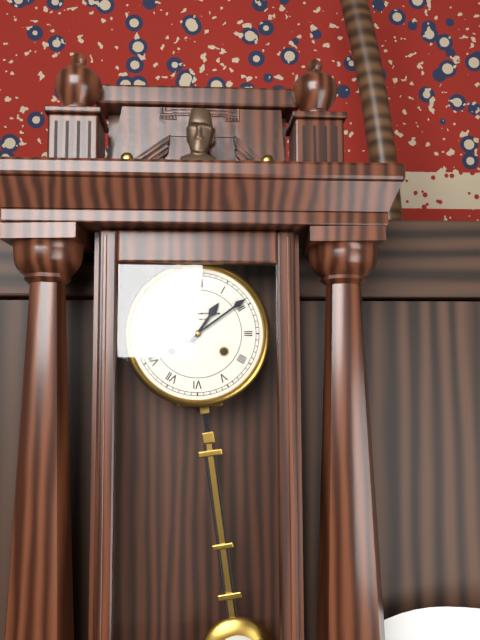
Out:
1.09
